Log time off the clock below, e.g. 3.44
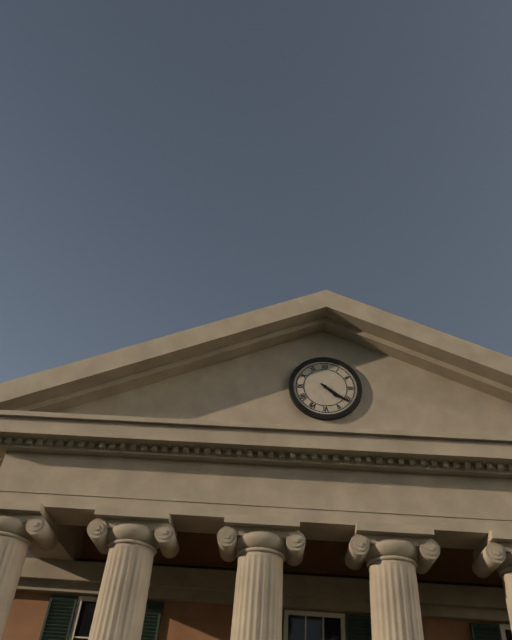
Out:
4.21
